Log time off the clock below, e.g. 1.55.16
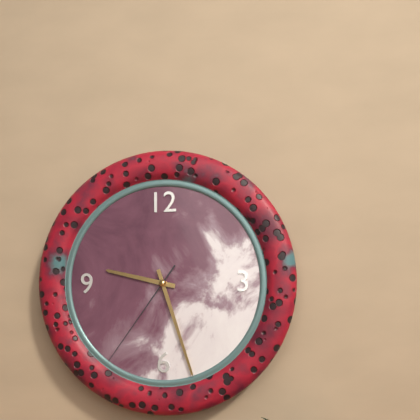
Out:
9.27.36
